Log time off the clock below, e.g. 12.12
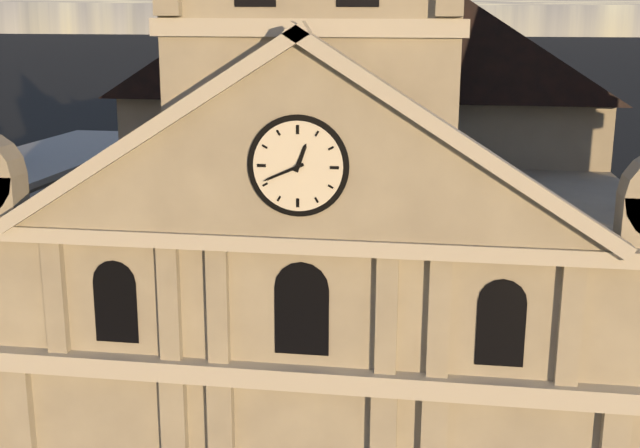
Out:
12.41
